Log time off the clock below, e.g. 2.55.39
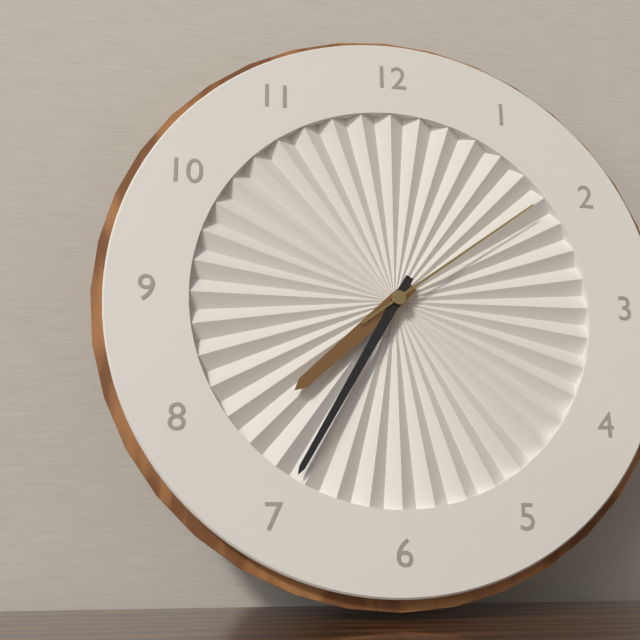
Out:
7.35.09
